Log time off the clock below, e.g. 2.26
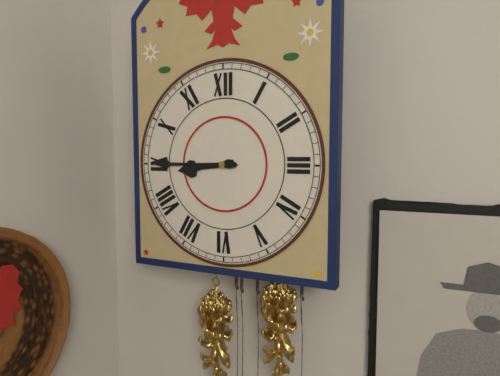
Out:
8.45
